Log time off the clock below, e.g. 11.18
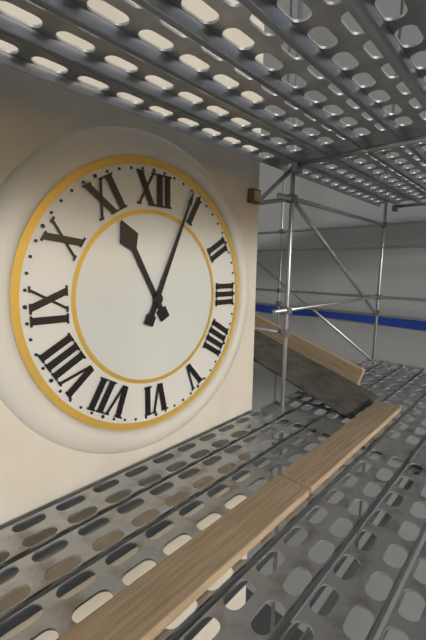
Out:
11.04
